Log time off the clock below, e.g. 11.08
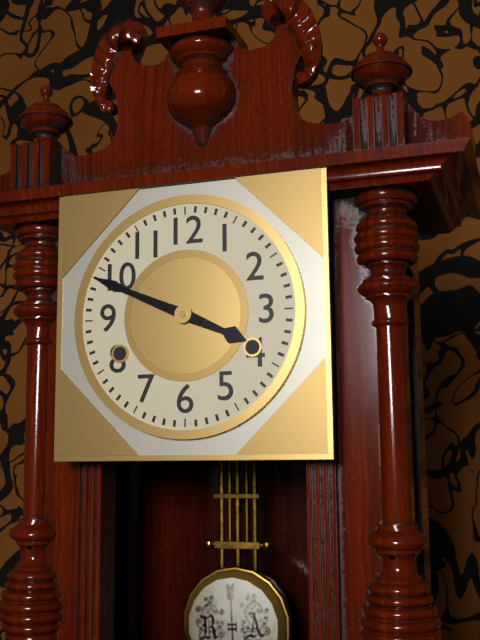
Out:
3.49
